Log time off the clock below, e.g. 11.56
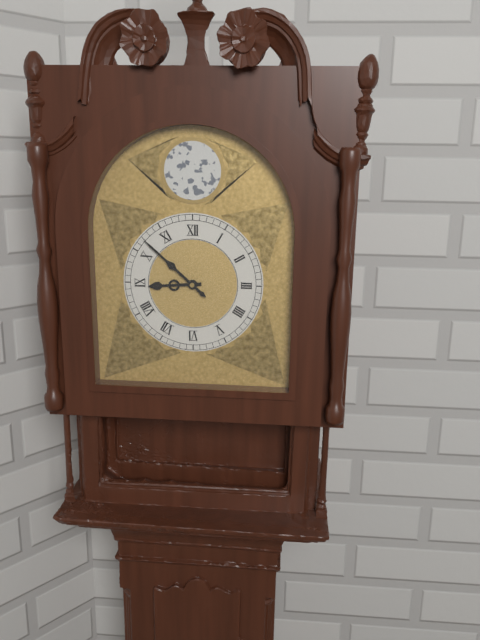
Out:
8.52
